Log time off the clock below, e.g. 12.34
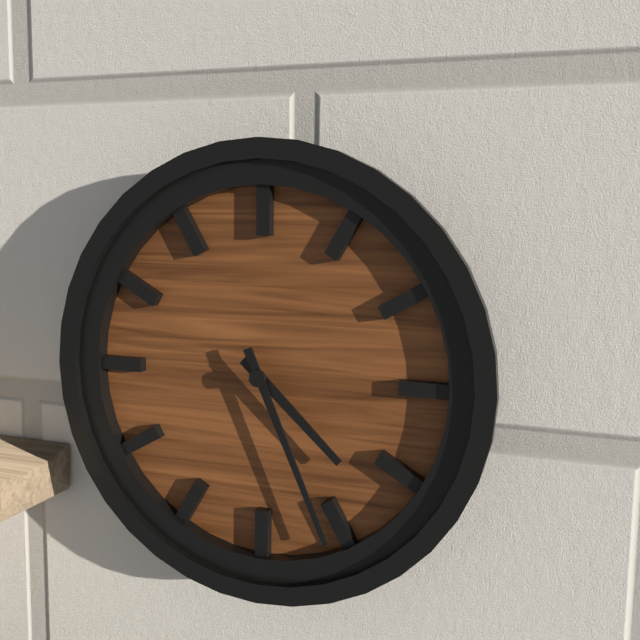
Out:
4.26
